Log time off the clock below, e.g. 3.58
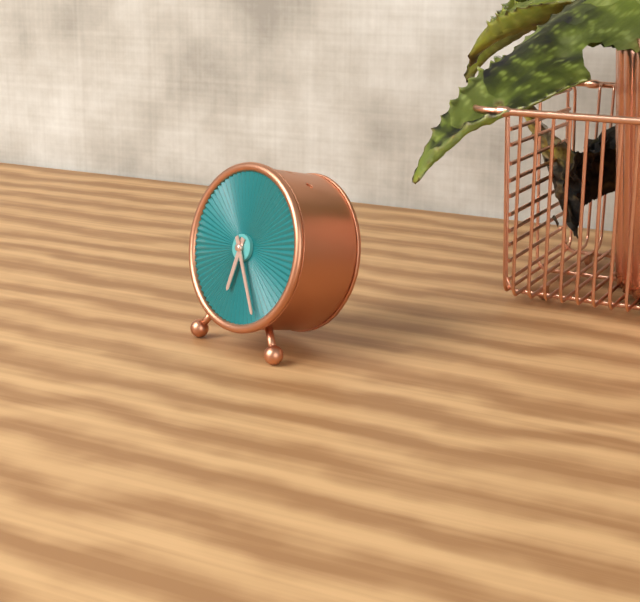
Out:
6.25
